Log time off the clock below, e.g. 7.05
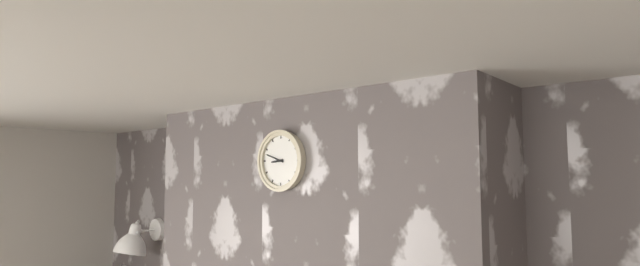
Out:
8.48
